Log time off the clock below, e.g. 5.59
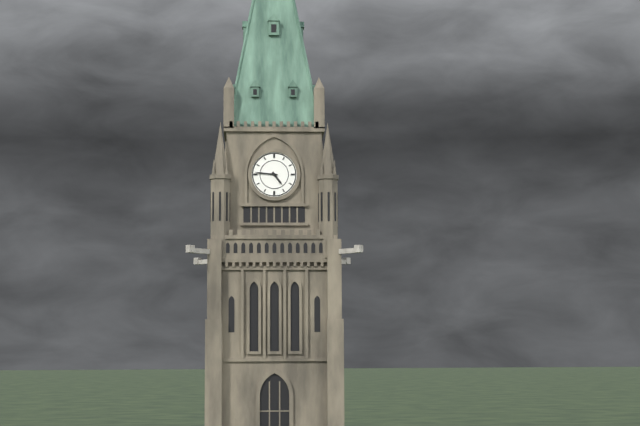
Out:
4.46
